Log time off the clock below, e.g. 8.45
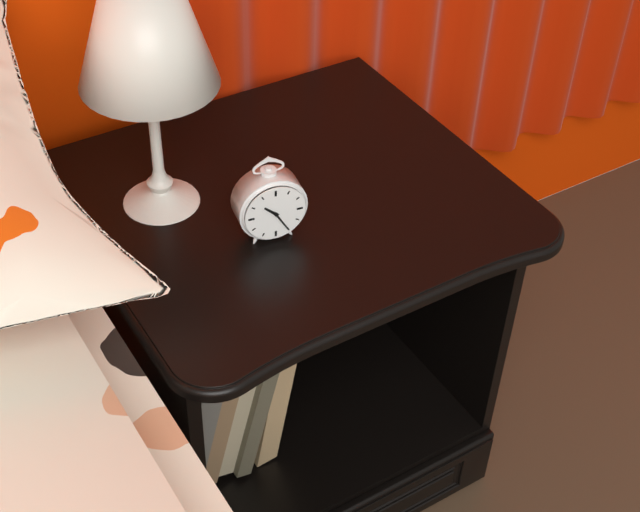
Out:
10.25
